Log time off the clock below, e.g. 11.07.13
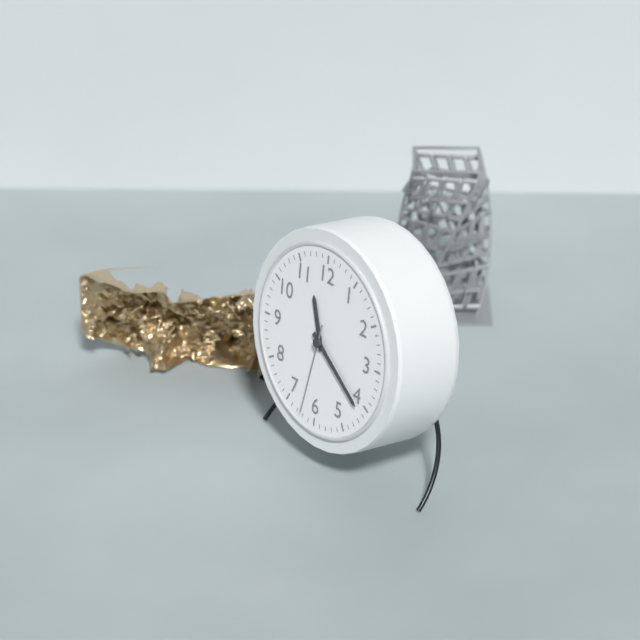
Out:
11.21.32
